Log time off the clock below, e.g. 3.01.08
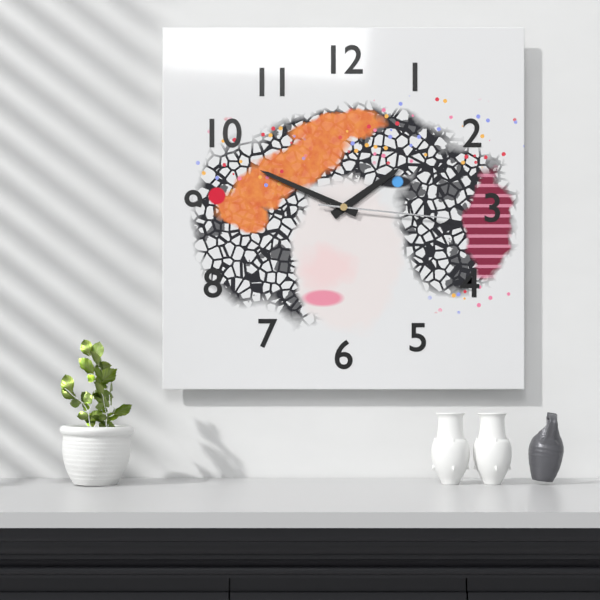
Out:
1.49.16
